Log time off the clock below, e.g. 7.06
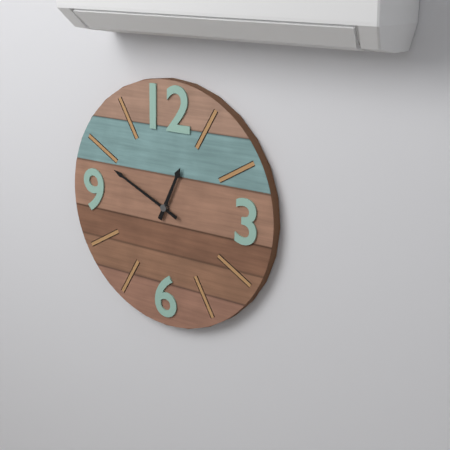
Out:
12.49
